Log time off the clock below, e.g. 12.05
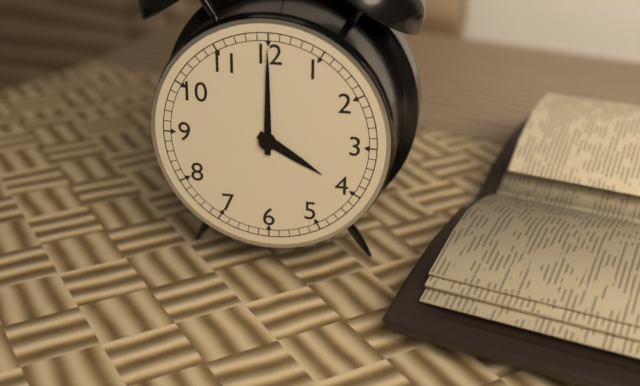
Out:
4.00
